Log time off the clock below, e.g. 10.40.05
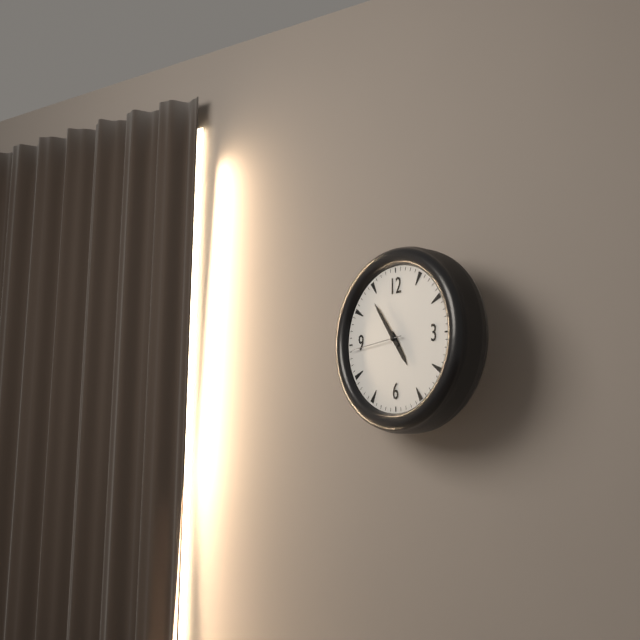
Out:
4.54.44
